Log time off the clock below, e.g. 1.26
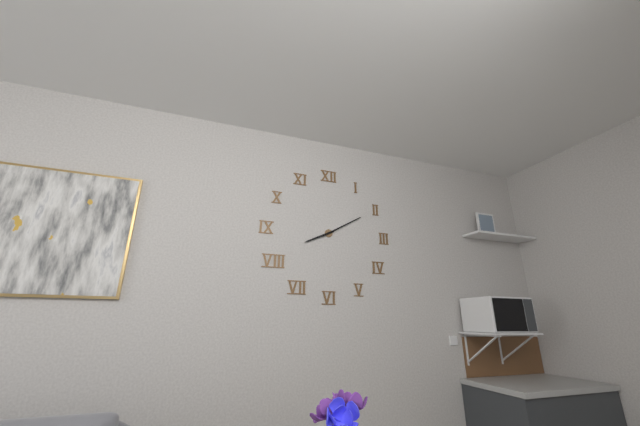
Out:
8.10
